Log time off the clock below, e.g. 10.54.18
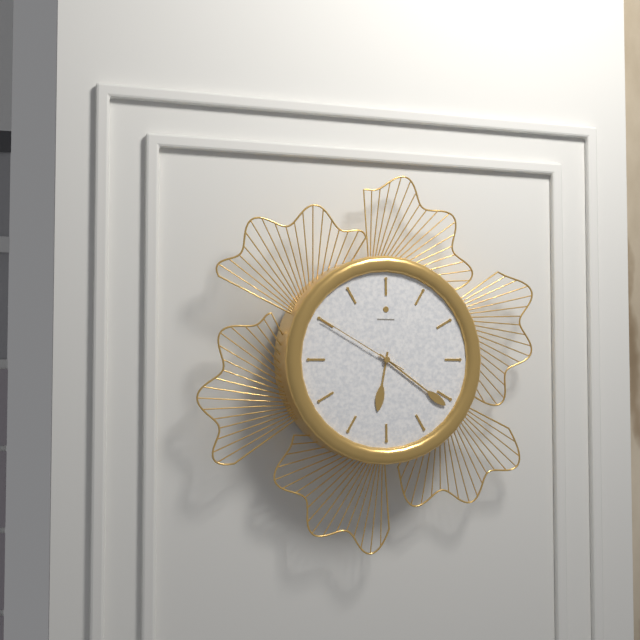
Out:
6.21.50
